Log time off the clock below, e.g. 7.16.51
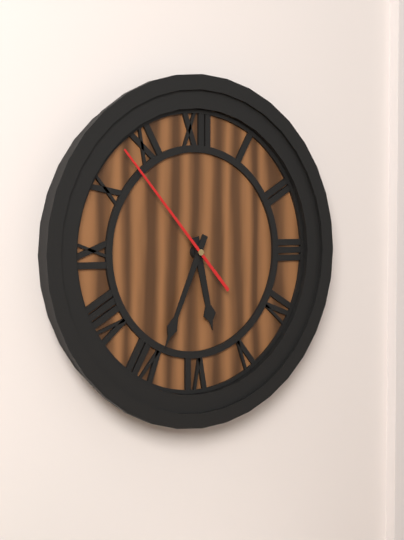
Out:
5.34.53
